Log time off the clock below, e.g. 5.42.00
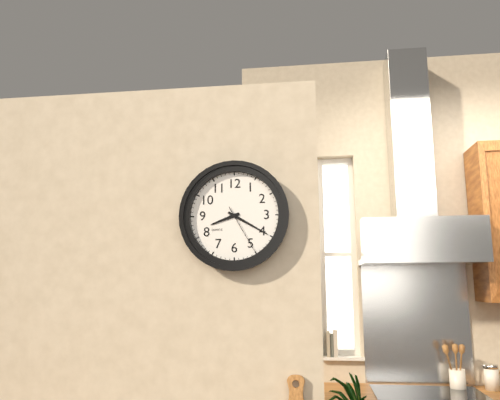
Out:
8.20.25
